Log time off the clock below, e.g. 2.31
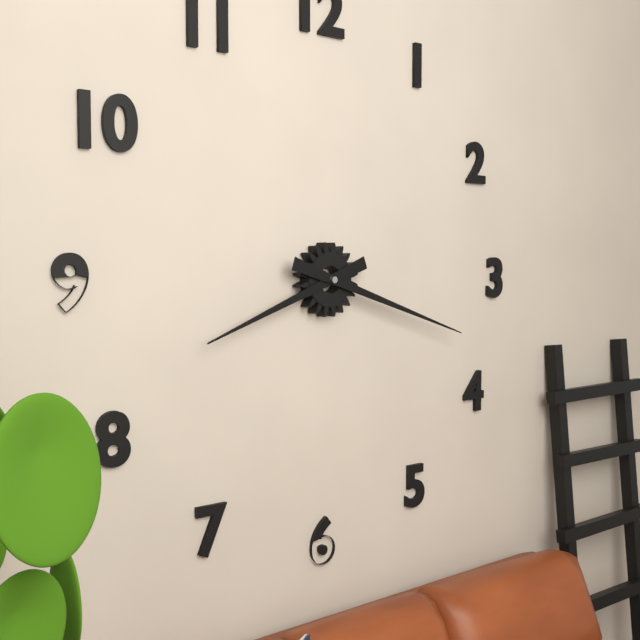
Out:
8.18
